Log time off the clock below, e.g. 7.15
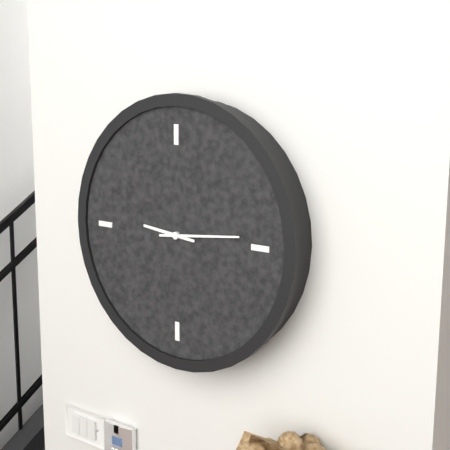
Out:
9.14
